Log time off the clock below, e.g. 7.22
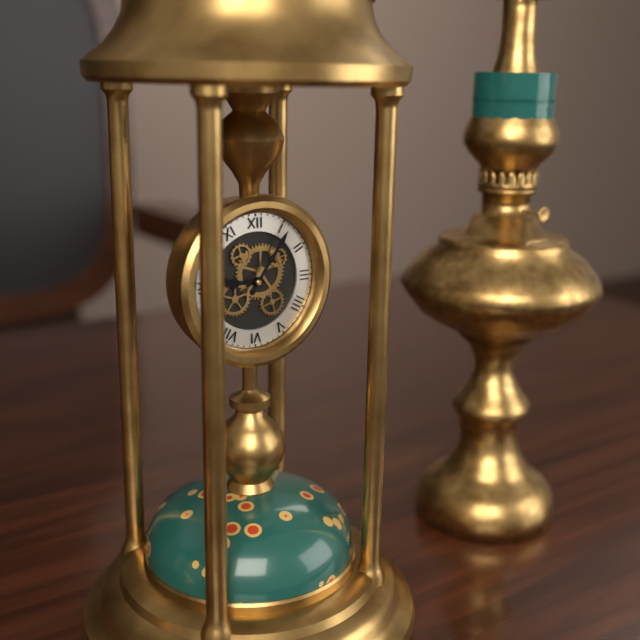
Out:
9.06
